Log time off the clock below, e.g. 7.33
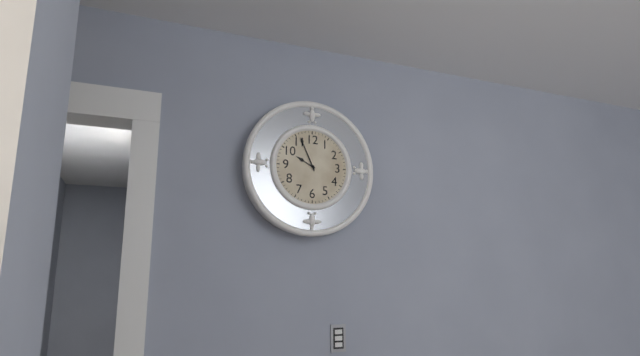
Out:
9.56
